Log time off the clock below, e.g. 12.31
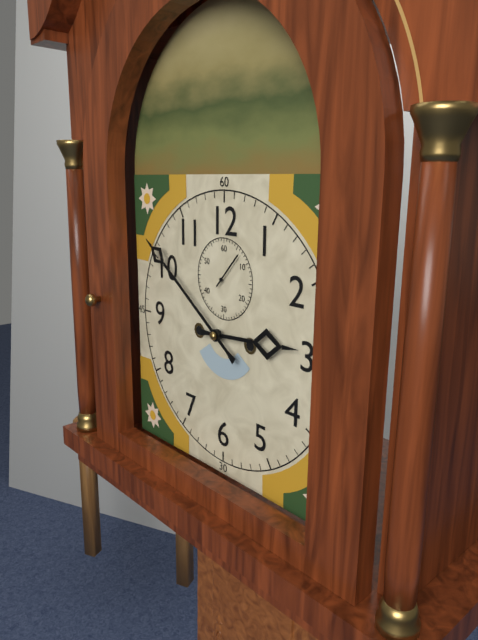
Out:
2.51
